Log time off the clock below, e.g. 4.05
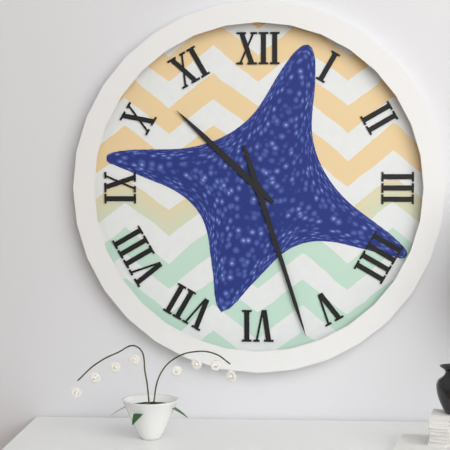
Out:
10.27
